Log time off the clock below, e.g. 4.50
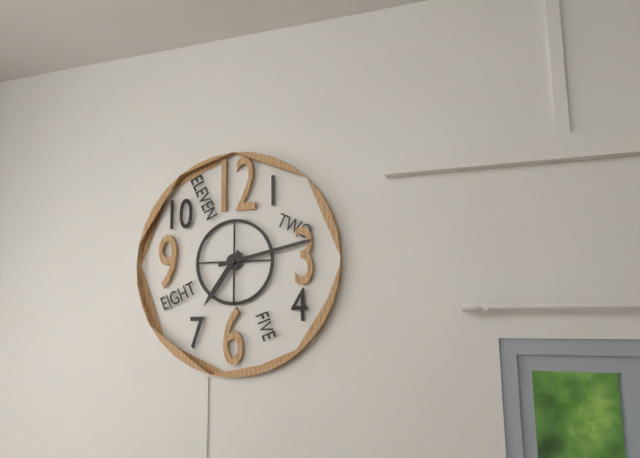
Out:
7.13
